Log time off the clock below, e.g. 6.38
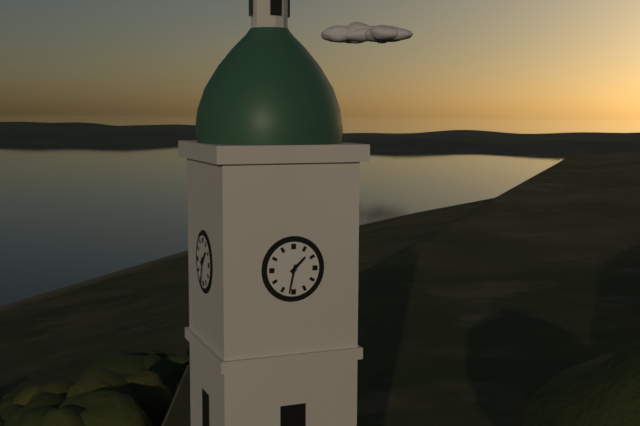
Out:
1.32
